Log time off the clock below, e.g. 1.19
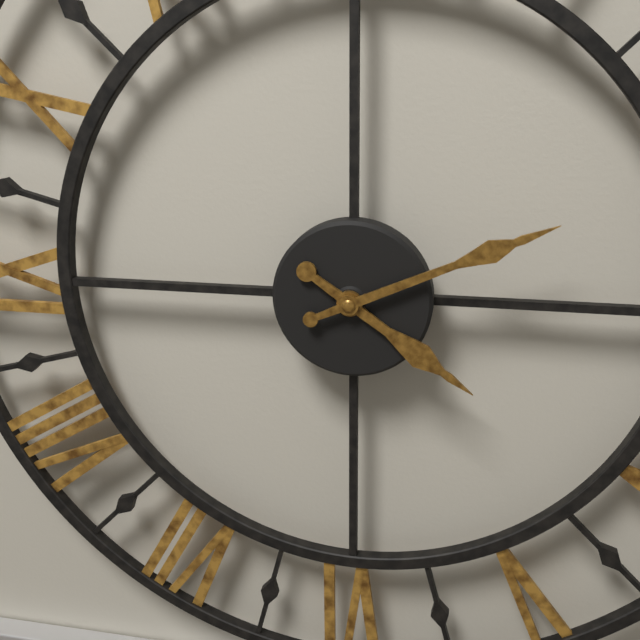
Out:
4.11
